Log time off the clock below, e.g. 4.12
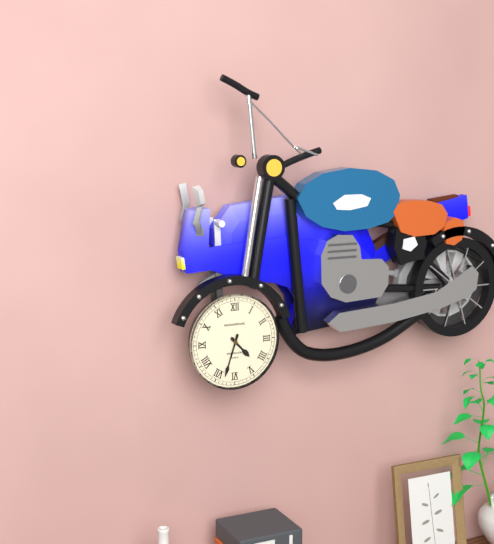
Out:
4.33
